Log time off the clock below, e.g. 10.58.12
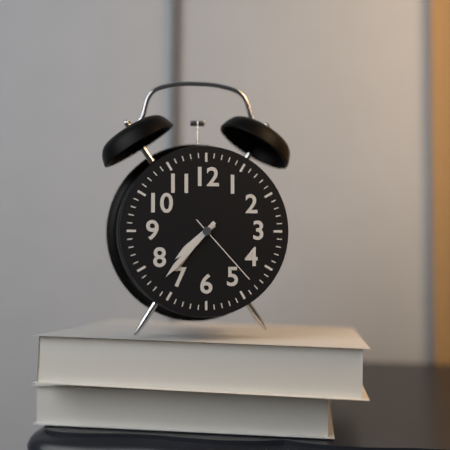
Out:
7.37.23
